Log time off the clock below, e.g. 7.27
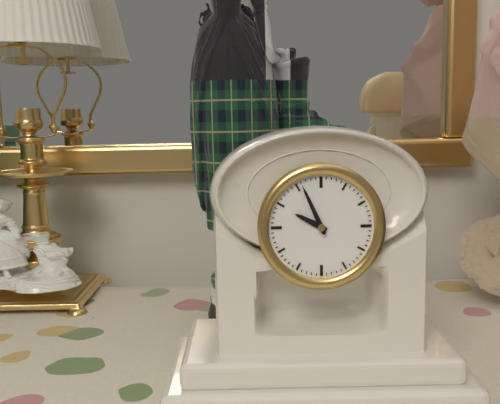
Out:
9.56
